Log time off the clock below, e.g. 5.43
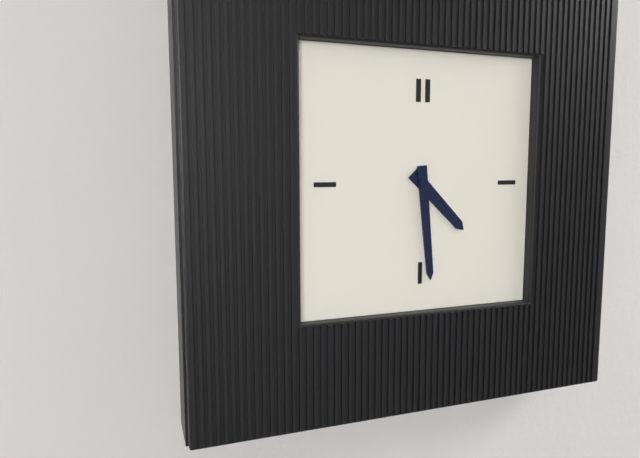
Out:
4.29
